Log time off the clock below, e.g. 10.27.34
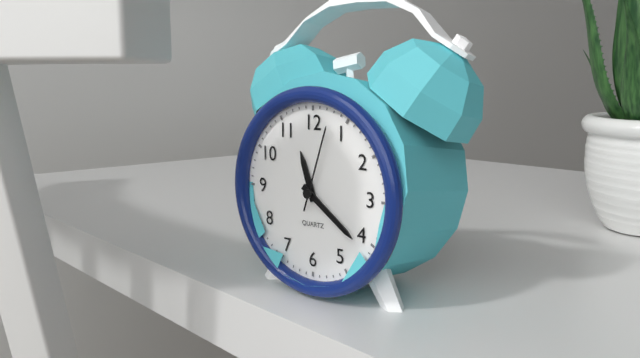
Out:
11.21.03
